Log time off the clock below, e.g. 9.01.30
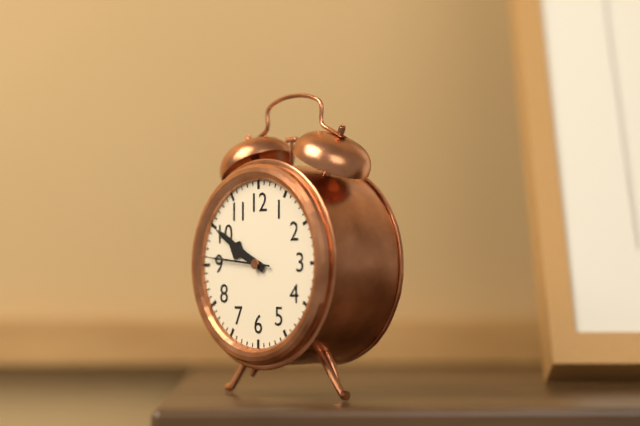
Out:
9.50.46
